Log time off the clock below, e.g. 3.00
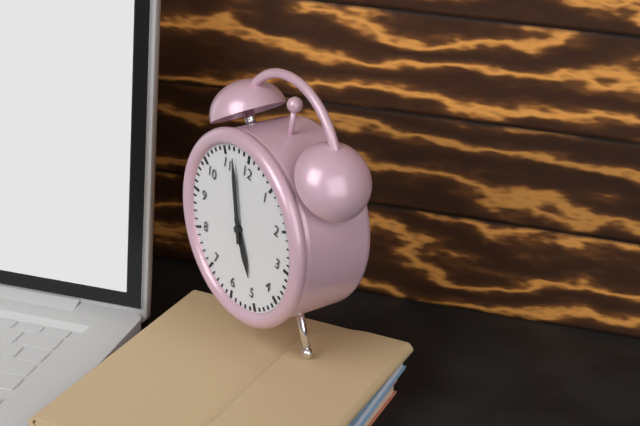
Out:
4.57
